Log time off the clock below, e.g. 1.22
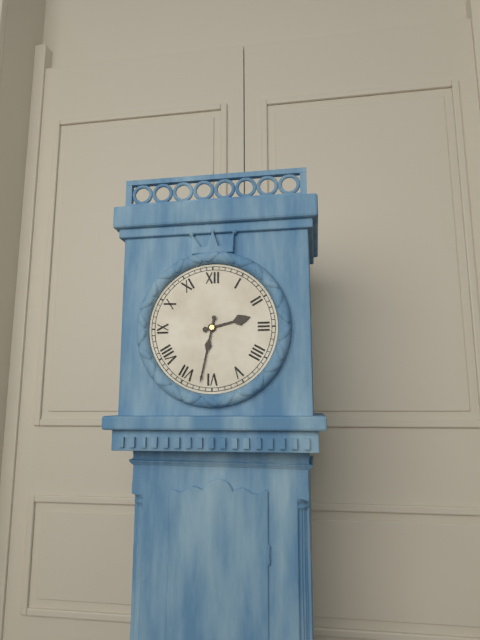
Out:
2.32
